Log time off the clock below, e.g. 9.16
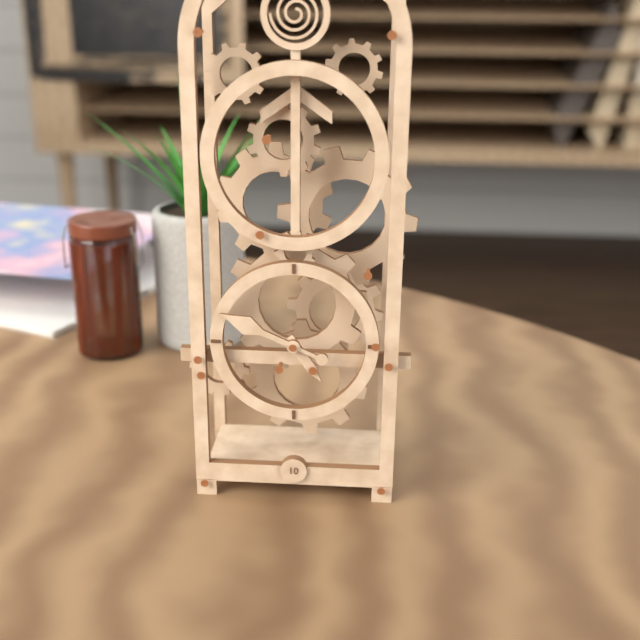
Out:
4.49
